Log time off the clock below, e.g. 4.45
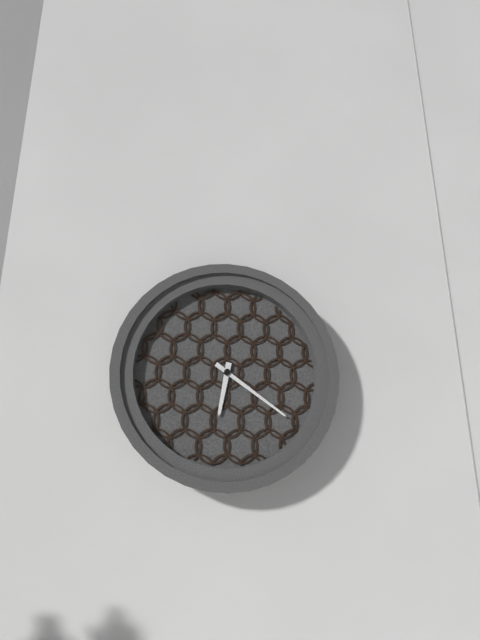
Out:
6.21
